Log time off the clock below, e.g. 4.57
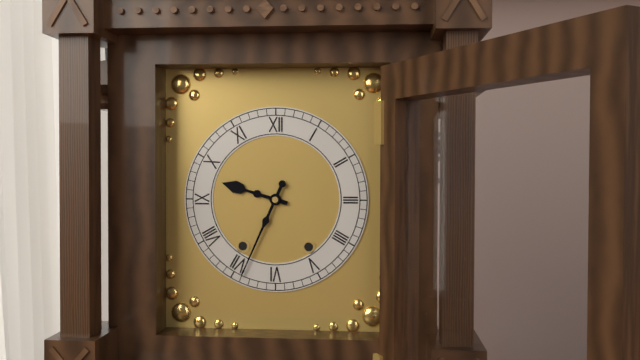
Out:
9.34
